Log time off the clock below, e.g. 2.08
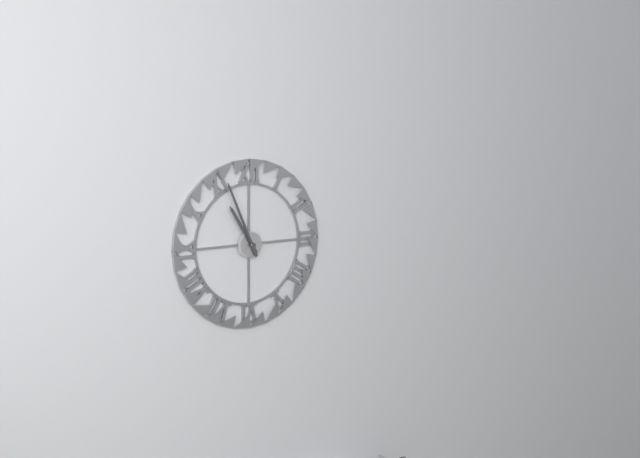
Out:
10.56
